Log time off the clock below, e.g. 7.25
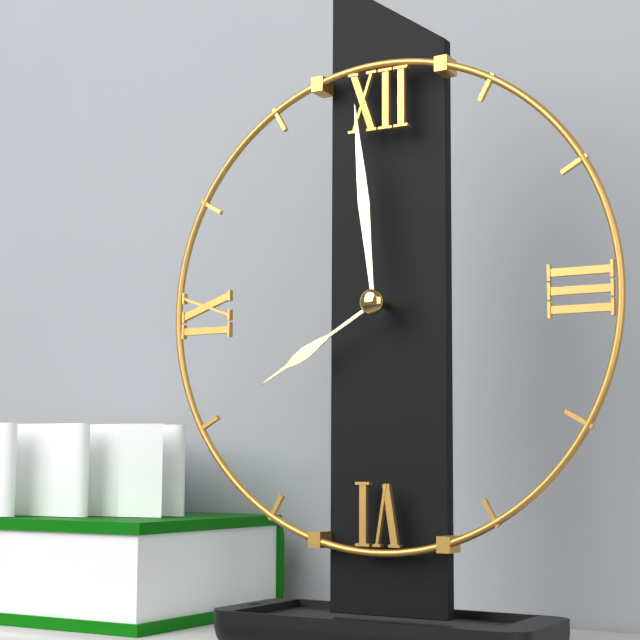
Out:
7.59
